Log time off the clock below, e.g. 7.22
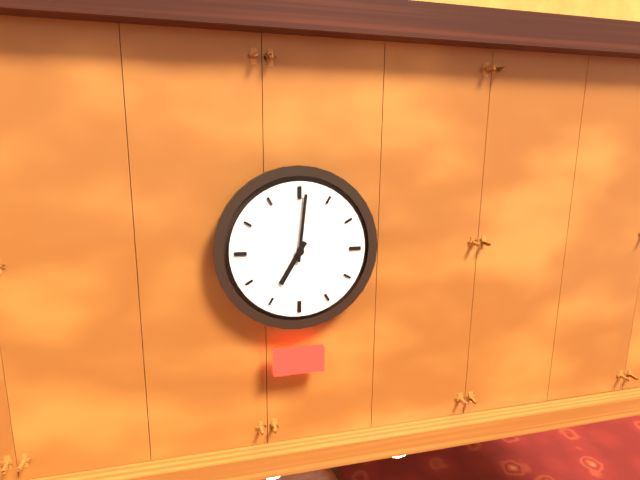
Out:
7.01
